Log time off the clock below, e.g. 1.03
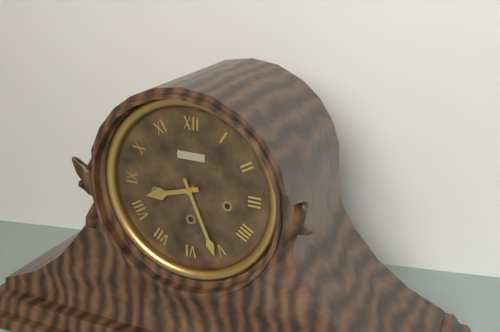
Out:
8.26
